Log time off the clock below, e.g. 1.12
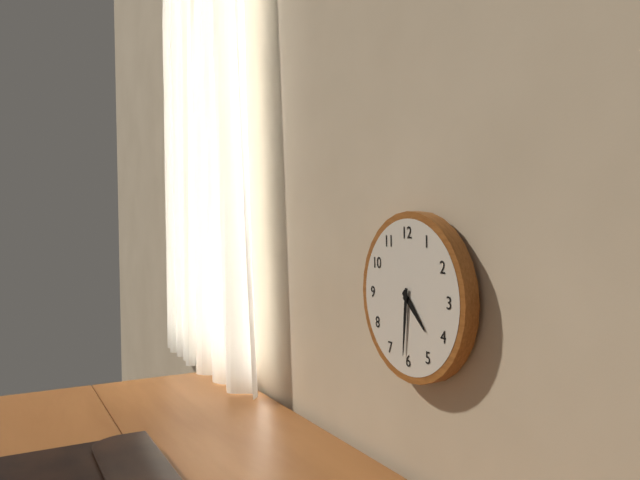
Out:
4.31
